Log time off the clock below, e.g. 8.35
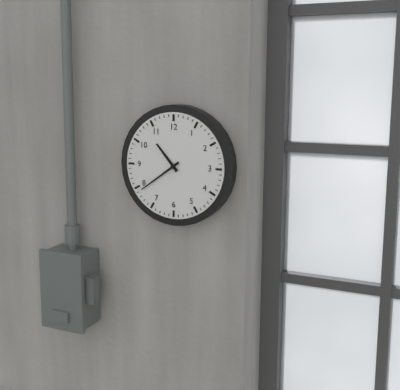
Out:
10.39
